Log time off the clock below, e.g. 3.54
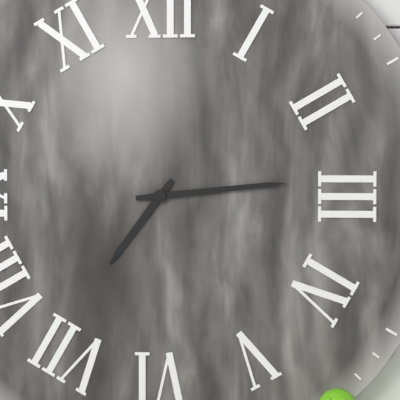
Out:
7.14
